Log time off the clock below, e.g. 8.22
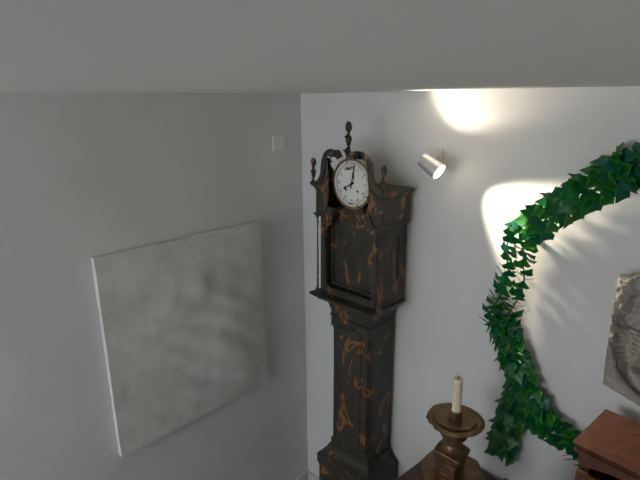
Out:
8.02
